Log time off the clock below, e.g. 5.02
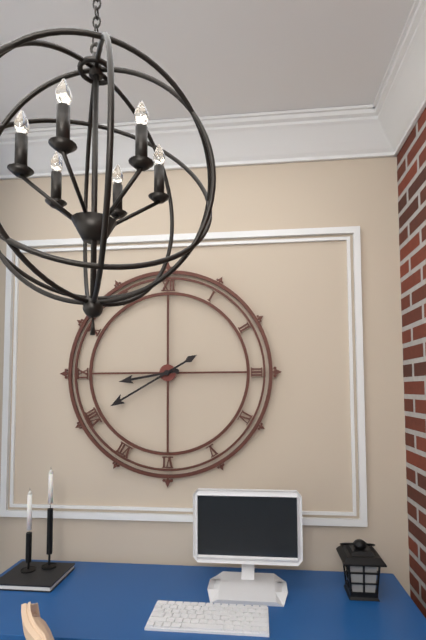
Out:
8.40
